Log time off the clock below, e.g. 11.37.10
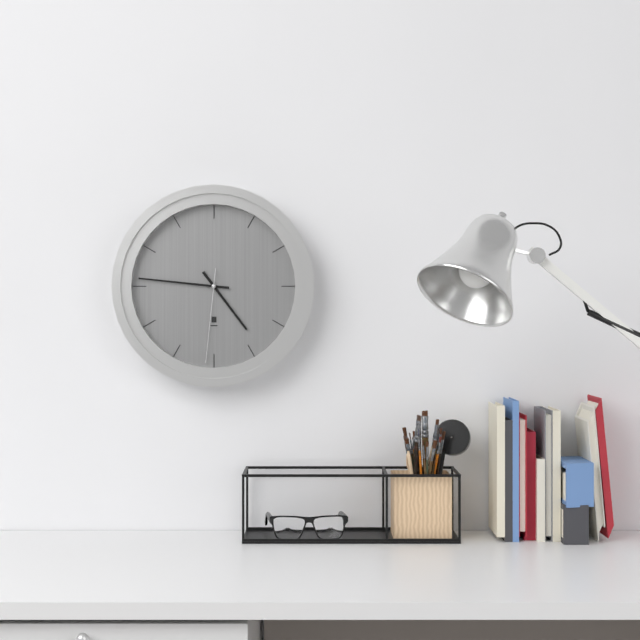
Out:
4.46.31
